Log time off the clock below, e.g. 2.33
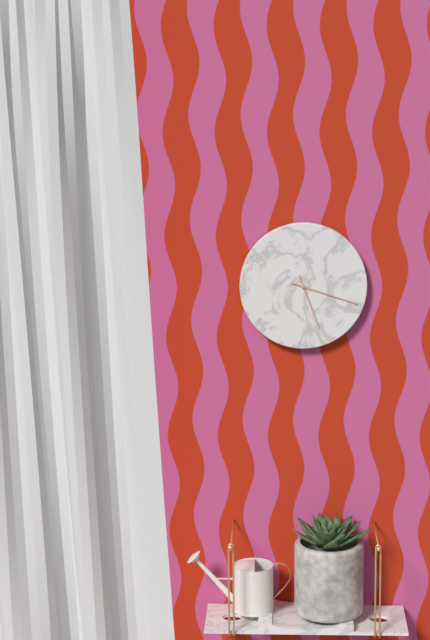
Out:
5.18
